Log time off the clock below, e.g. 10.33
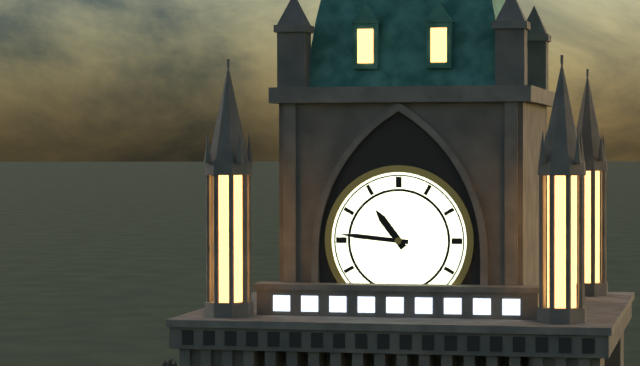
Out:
10.46
